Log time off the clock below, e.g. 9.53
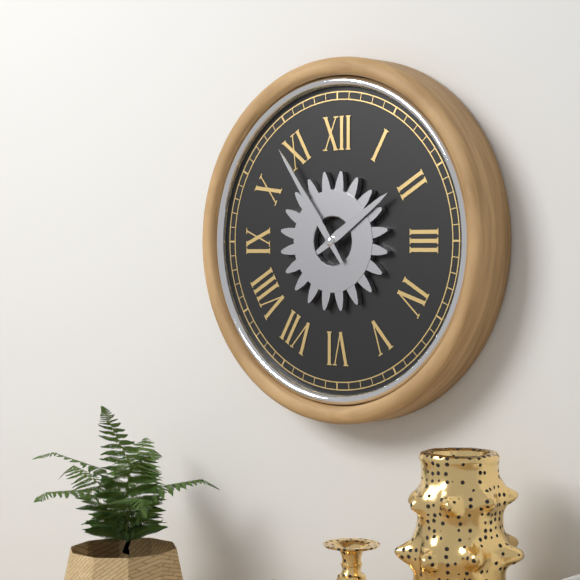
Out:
1.54
